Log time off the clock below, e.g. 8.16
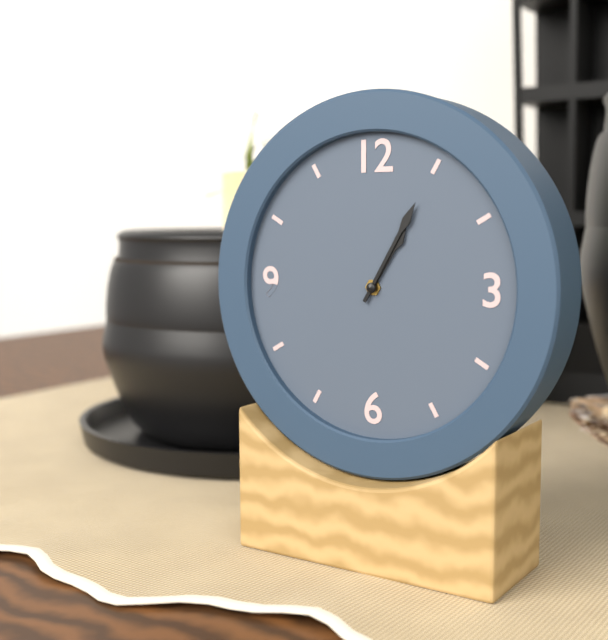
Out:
1.05
